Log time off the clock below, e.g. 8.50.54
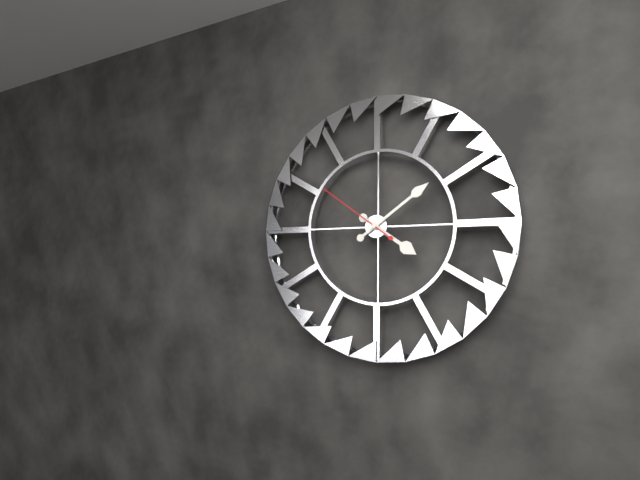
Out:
4.09.51
